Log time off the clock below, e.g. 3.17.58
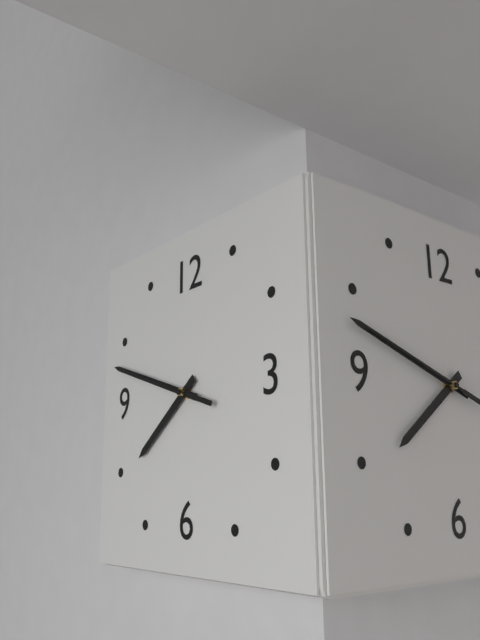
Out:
7.48.48
